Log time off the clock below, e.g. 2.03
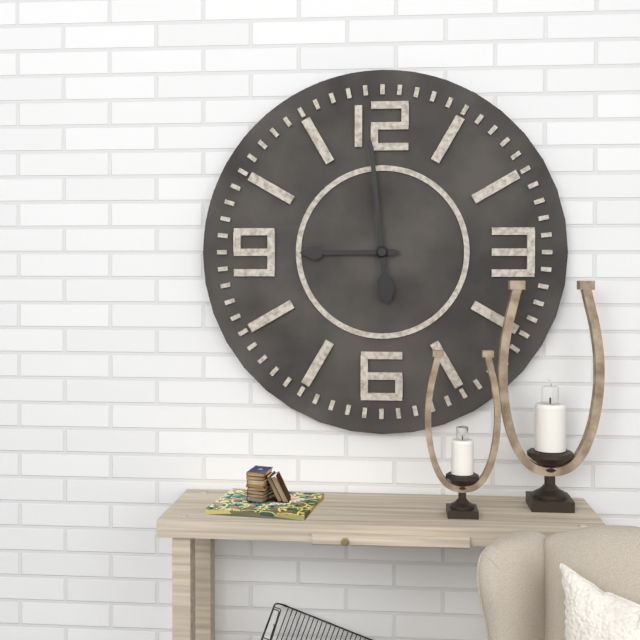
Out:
8.59
